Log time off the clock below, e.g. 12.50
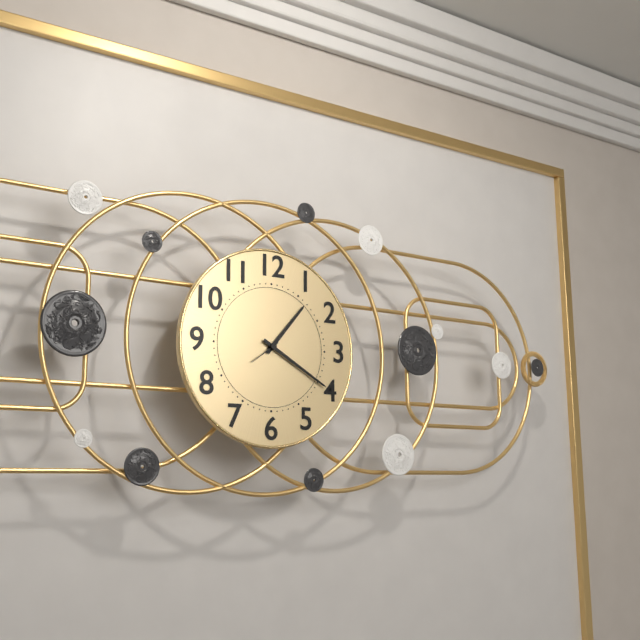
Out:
1.20
